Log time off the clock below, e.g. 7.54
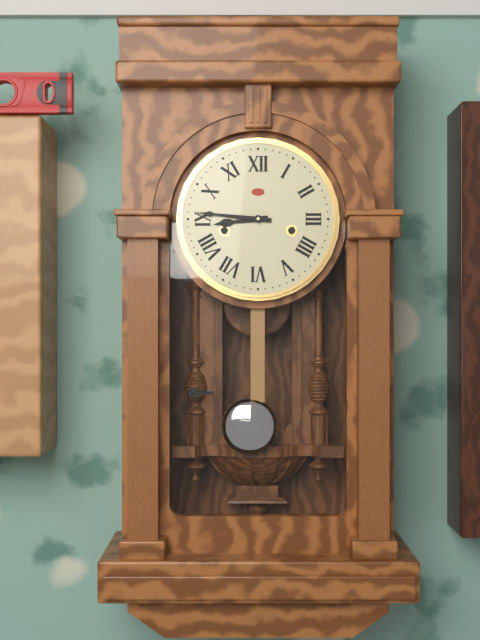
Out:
8.46
